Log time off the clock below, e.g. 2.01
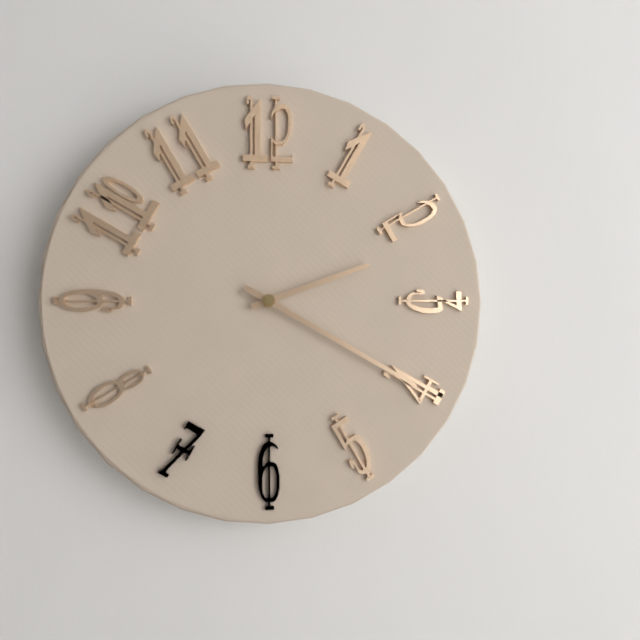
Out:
2.20
